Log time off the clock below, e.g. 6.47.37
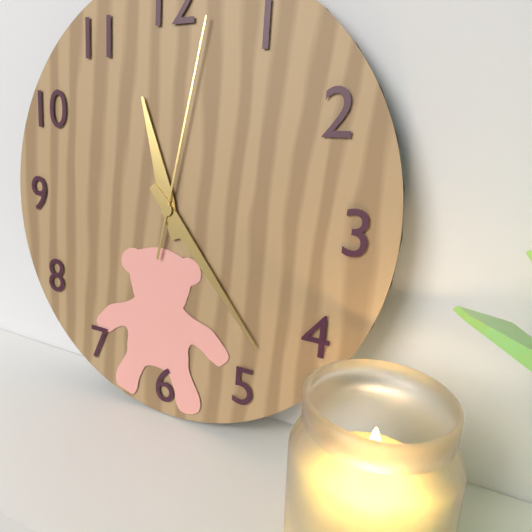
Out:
11.23.02
